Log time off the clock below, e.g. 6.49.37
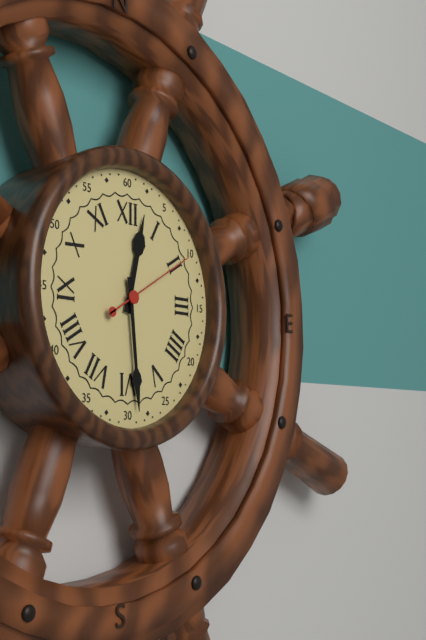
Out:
12.29.10
